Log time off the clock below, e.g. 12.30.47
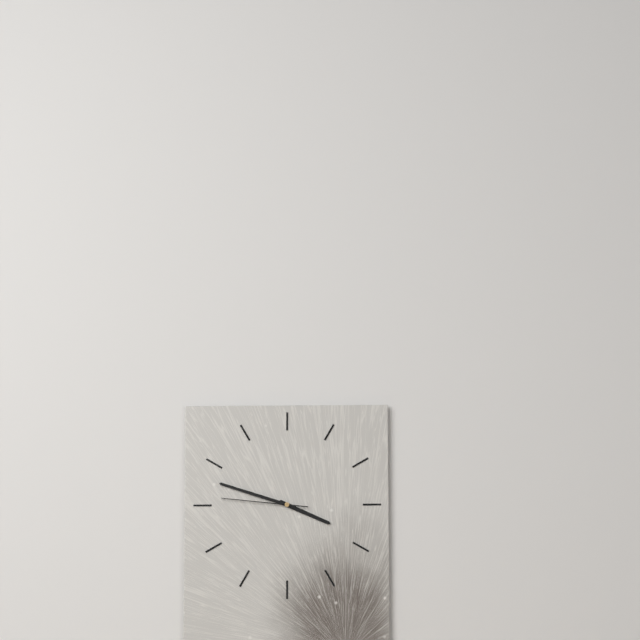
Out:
3.48.46
